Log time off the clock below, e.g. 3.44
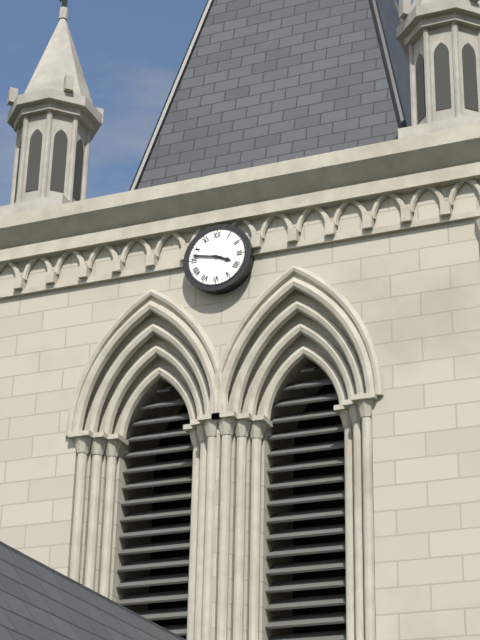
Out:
3.47
